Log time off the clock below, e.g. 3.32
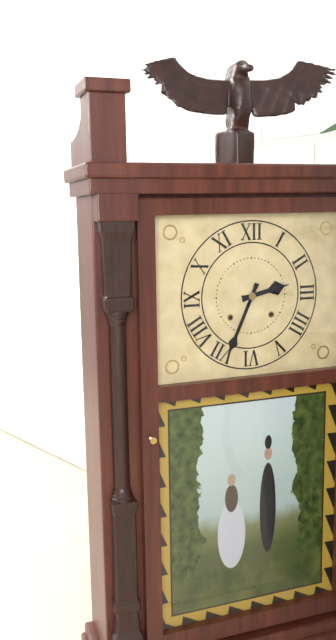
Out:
2.34
